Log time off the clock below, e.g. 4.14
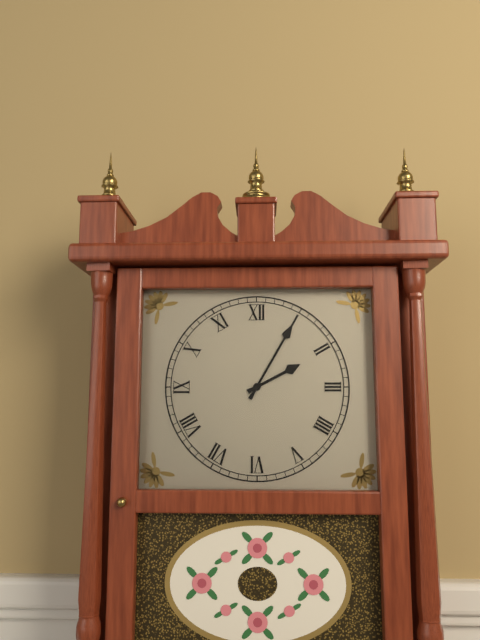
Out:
2.05
